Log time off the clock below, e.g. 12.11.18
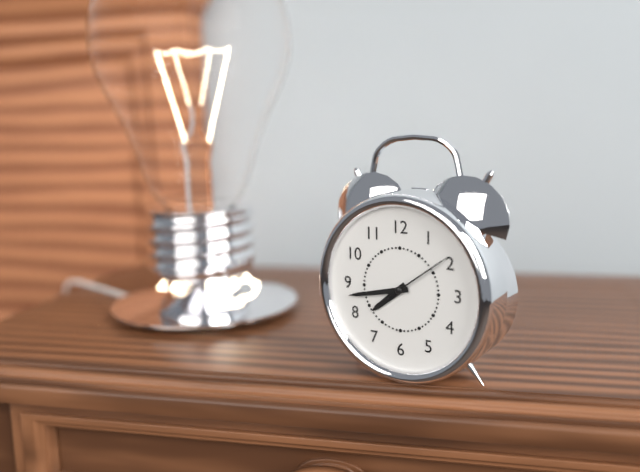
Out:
7.43.09
